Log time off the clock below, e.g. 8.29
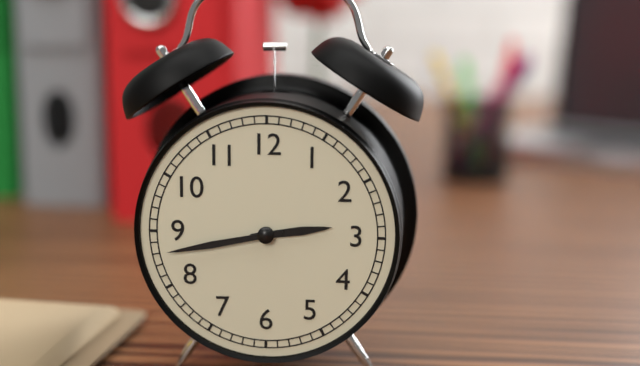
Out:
2.43
